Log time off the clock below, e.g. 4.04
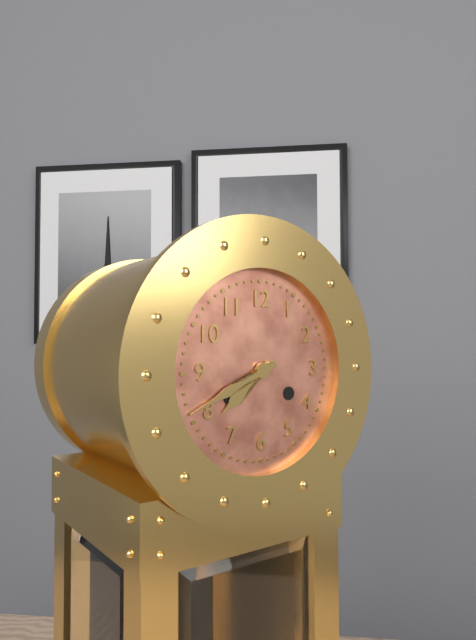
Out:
7.41
